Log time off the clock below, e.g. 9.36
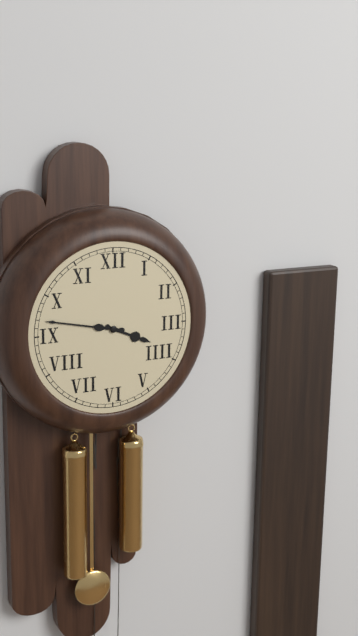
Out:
3.47
